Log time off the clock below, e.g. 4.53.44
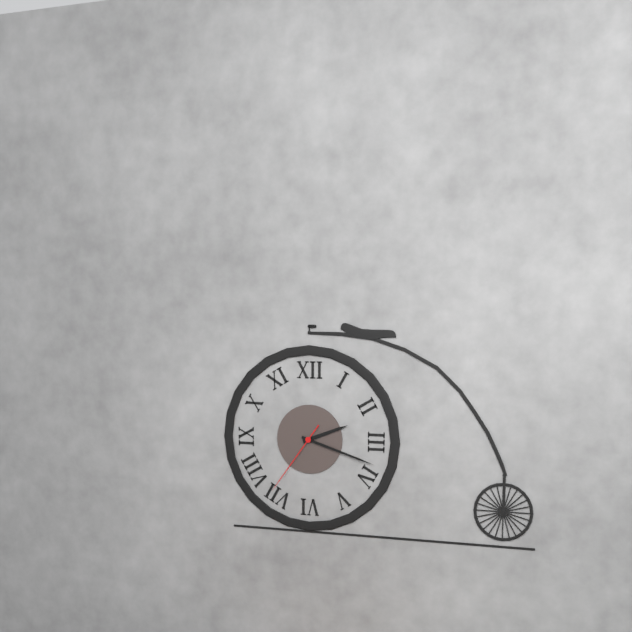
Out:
2.18.36
